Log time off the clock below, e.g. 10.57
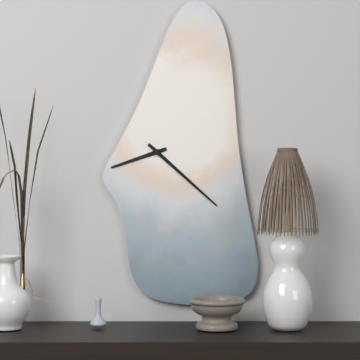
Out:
8.22
